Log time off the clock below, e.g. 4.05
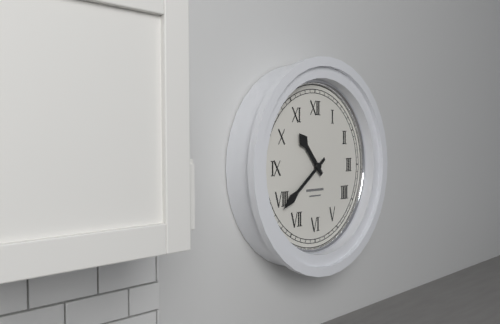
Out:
10.39
